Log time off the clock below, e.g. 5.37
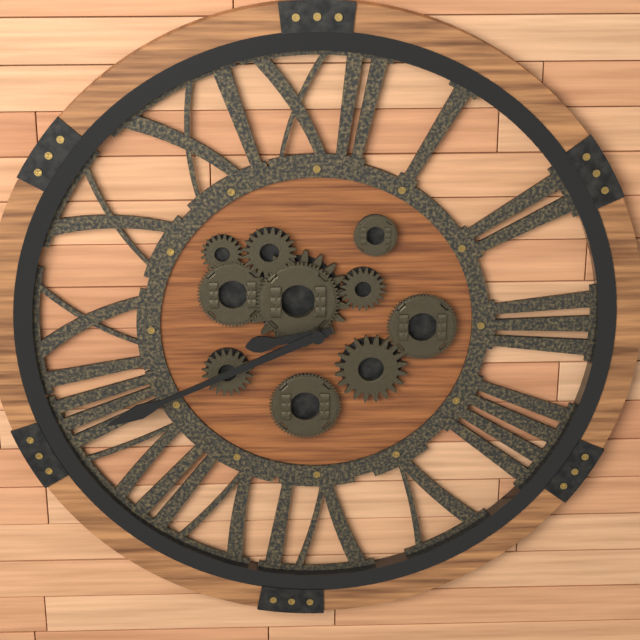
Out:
8.41
